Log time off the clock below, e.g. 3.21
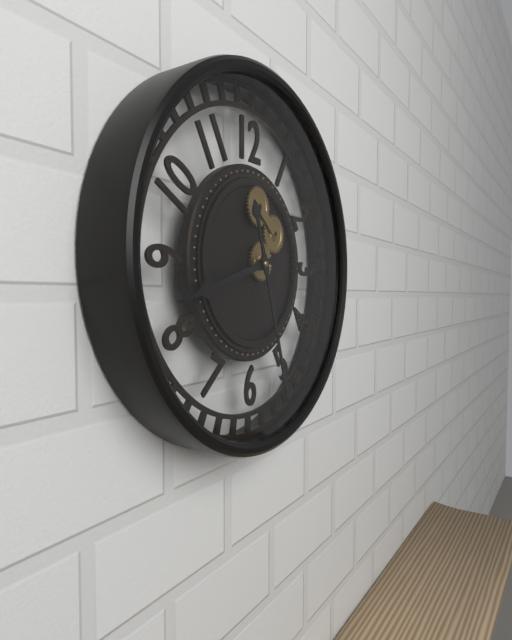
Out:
8.27
